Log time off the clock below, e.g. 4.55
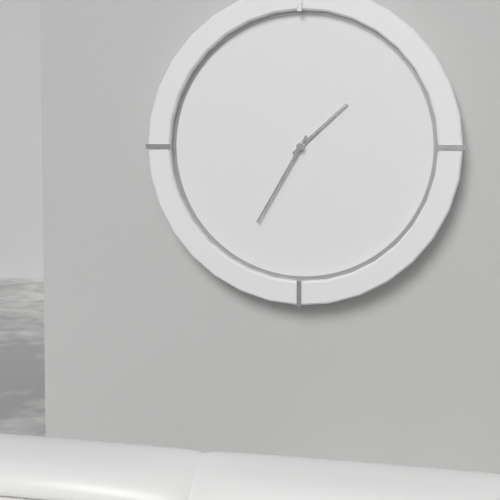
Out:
1.35
